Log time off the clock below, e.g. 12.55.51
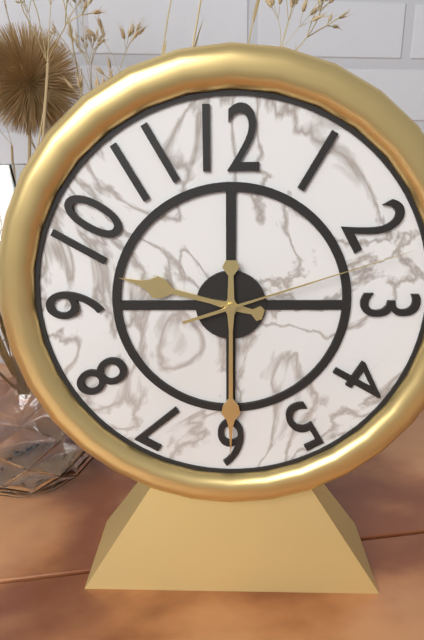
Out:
9.30.12
